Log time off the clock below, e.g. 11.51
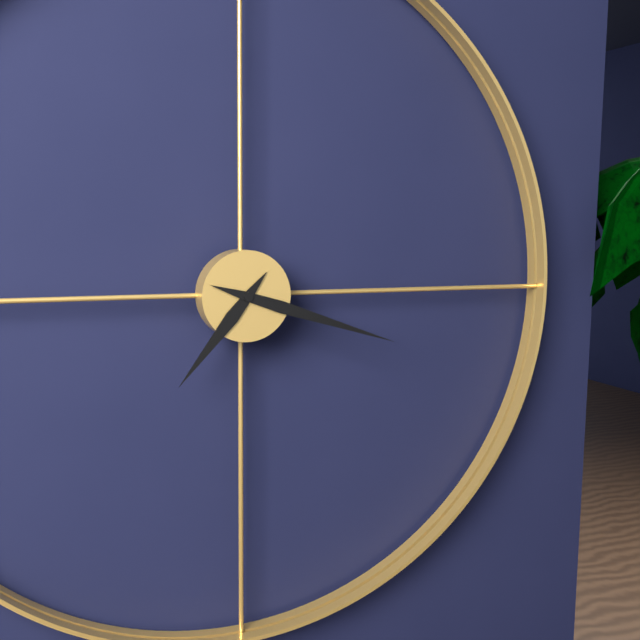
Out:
7.18
